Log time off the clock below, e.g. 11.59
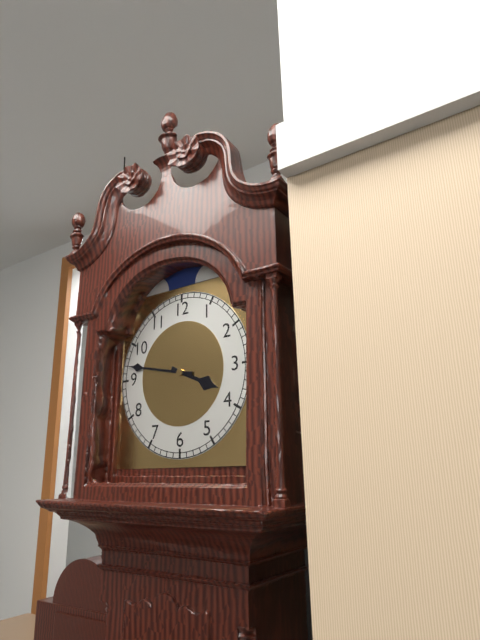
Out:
3.47
